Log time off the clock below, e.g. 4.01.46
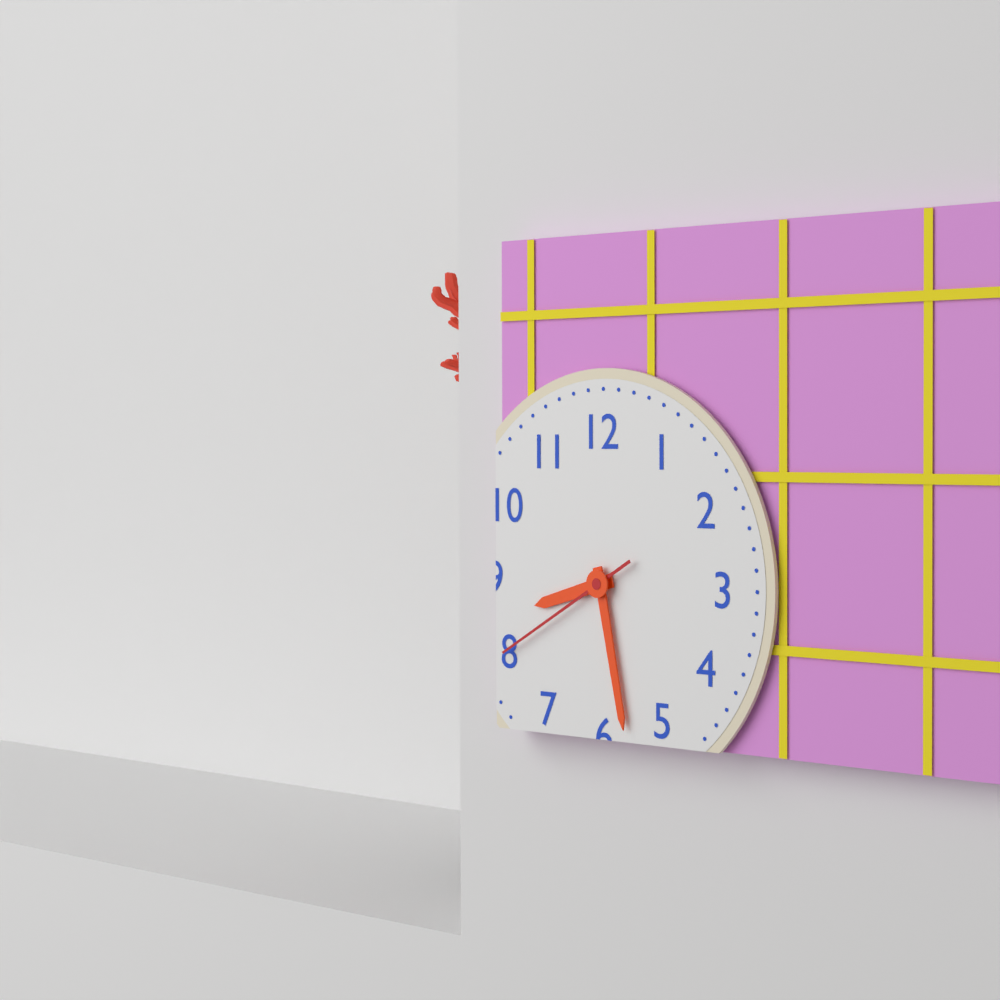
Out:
8.28.40
